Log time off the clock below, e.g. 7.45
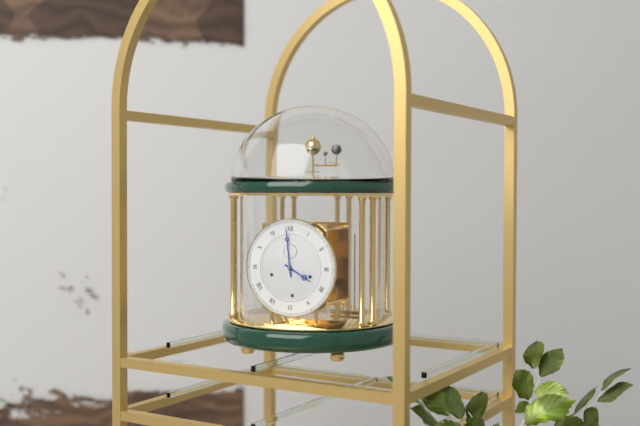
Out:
3.59
